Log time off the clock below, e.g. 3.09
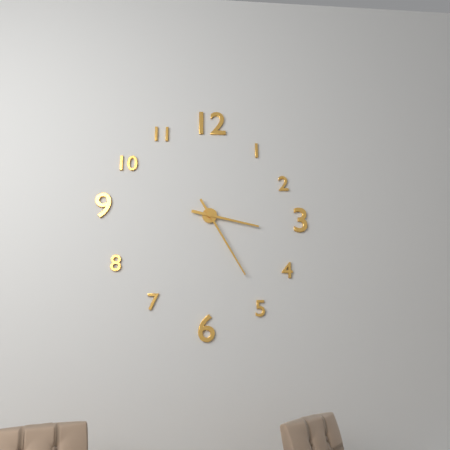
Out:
3.25
